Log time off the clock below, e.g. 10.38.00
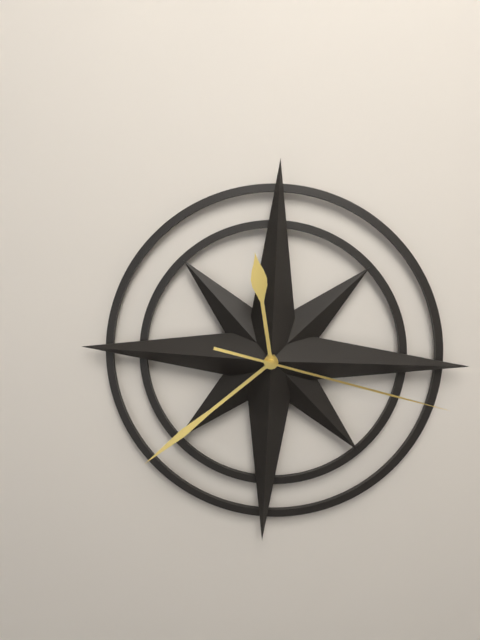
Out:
11.38.17
